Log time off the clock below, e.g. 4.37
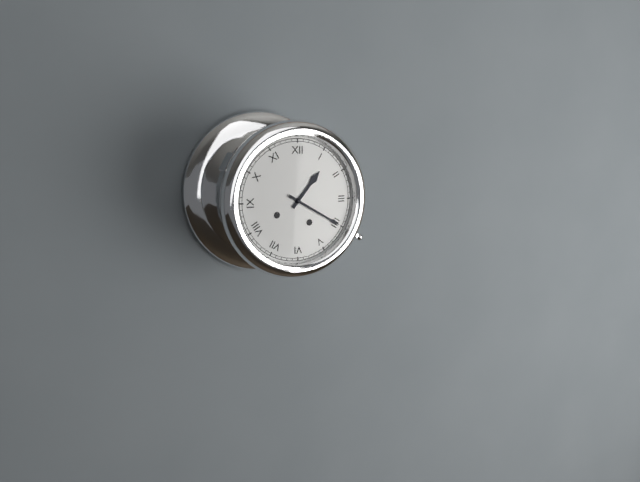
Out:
1.20
